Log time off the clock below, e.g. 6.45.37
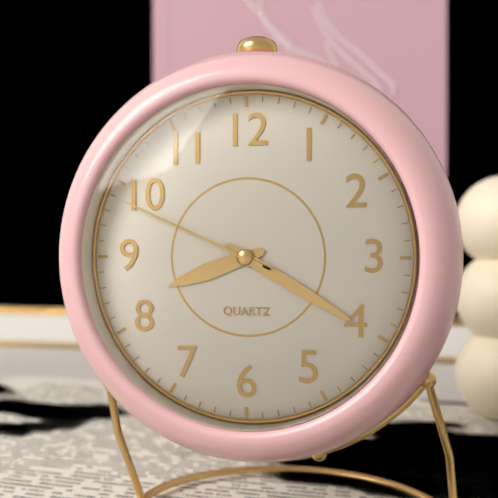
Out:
8.20.49
